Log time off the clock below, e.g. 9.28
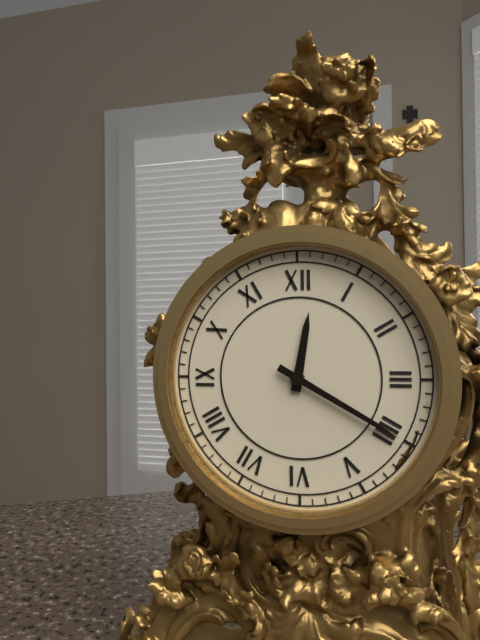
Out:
12.20
